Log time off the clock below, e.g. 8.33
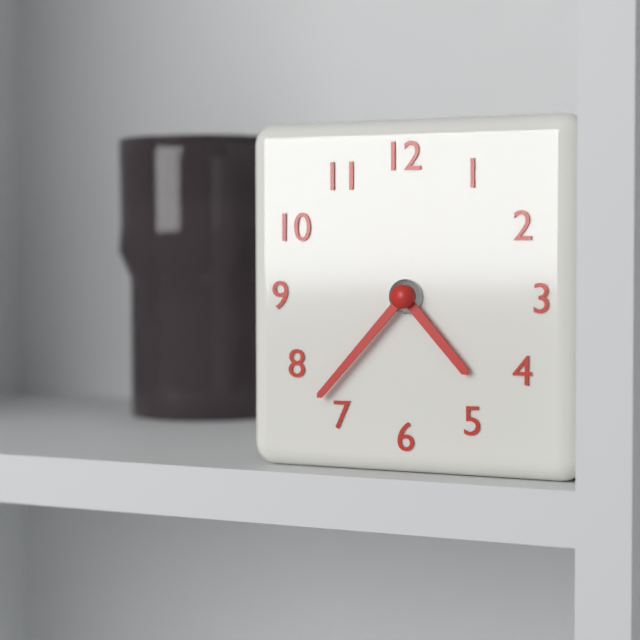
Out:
4.37
